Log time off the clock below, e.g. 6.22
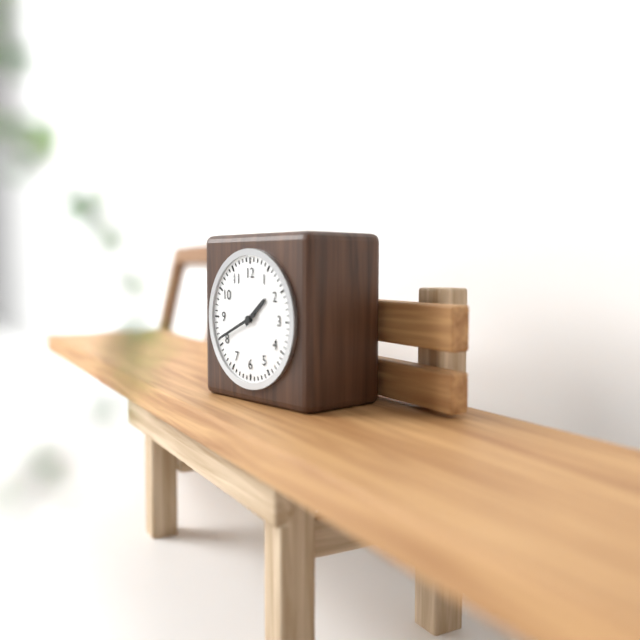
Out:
1.41
